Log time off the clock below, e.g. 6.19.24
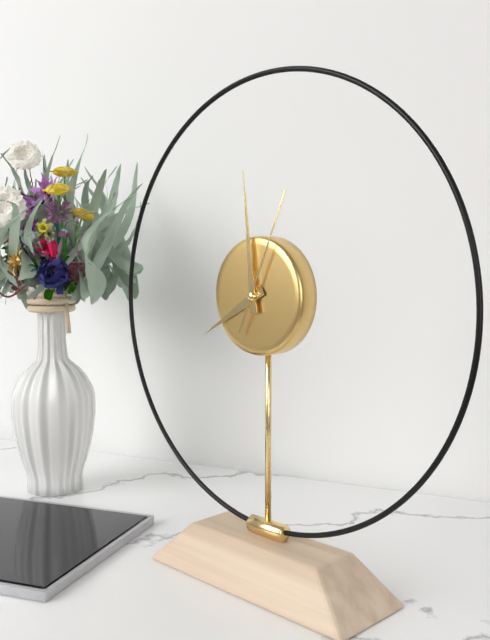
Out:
7.59.04
